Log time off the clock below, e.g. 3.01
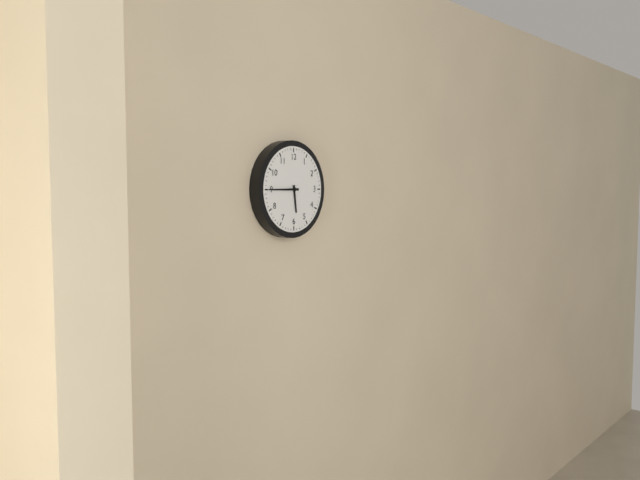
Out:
5.45
